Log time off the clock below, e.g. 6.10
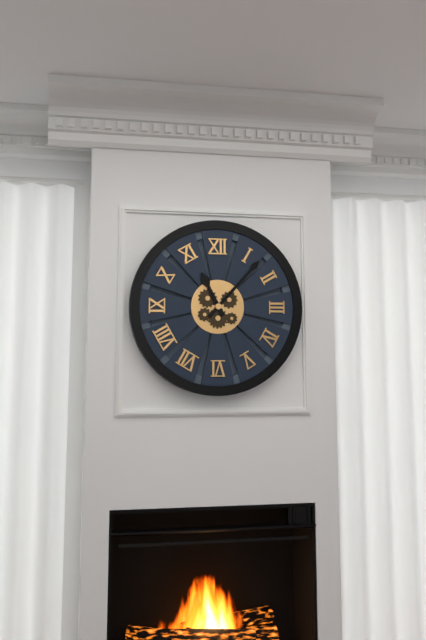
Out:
11.07
